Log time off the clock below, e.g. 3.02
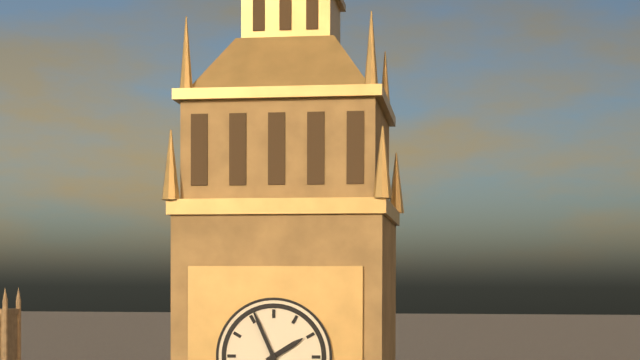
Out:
1.56
